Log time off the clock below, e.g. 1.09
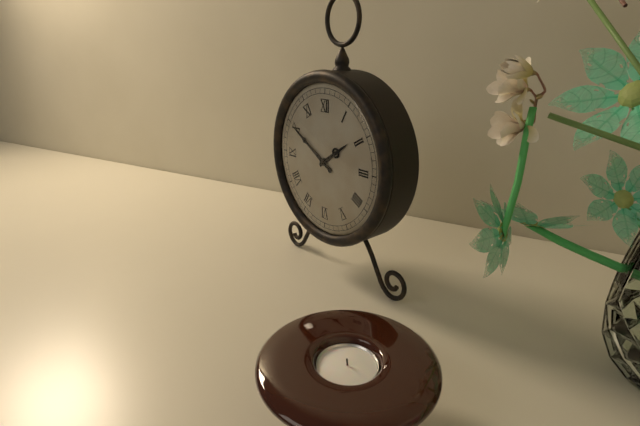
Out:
1.50
